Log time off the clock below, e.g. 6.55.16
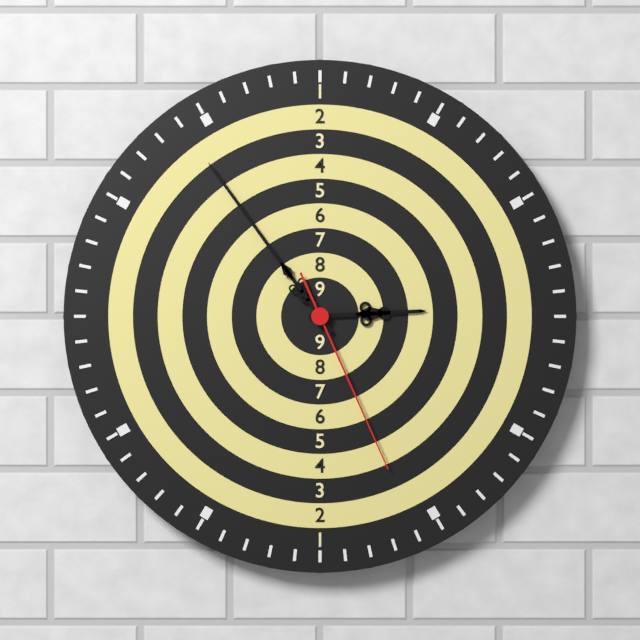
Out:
2.54.26
